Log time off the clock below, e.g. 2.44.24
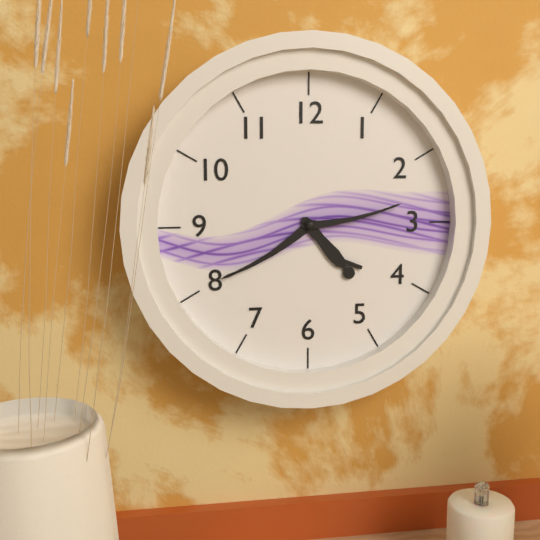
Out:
4.40.13
